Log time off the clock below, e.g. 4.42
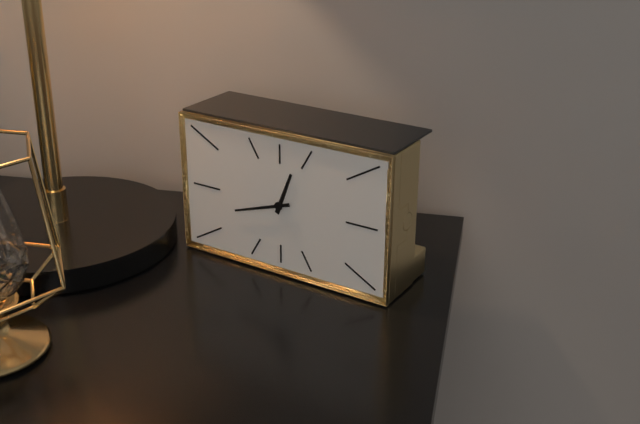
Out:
12.42
